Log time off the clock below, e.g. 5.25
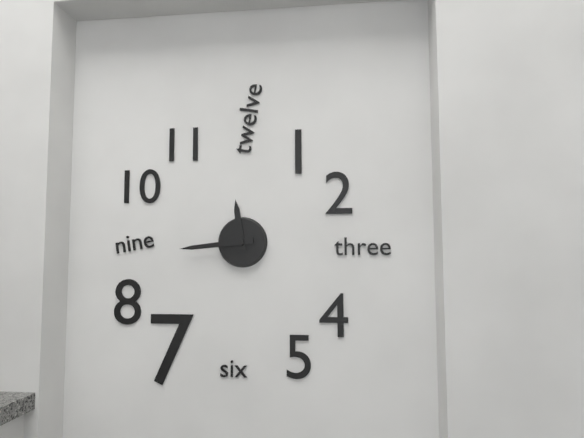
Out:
11.44
